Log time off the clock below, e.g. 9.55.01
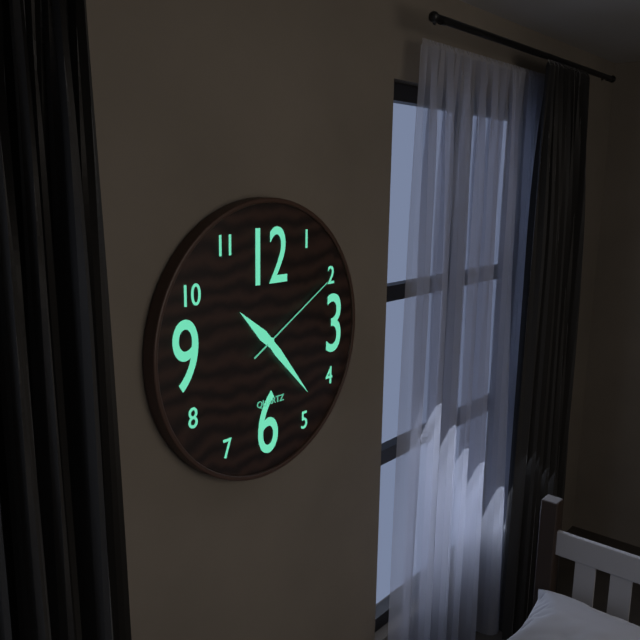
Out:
10.23.10
